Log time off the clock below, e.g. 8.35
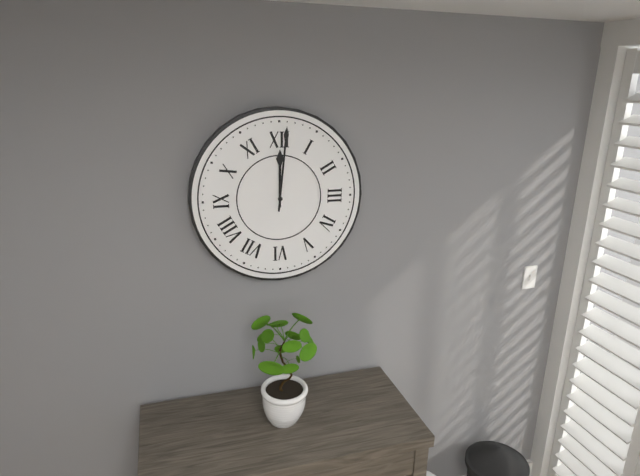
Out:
12.01
